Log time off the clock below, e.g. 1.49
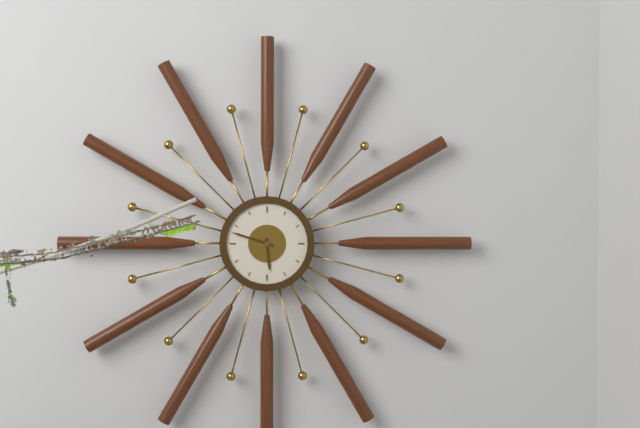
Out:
5.48
